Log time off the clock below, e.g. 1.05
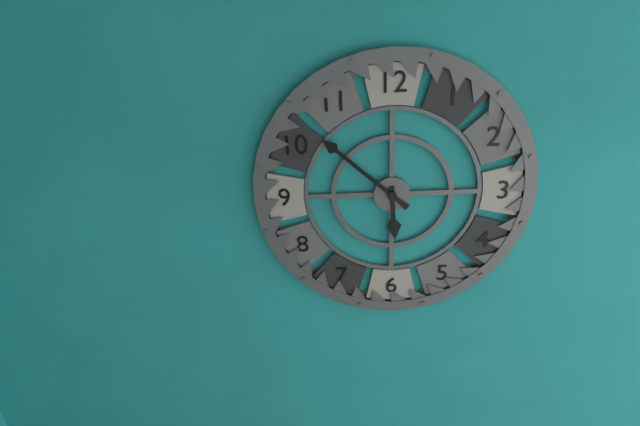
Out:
5.52
